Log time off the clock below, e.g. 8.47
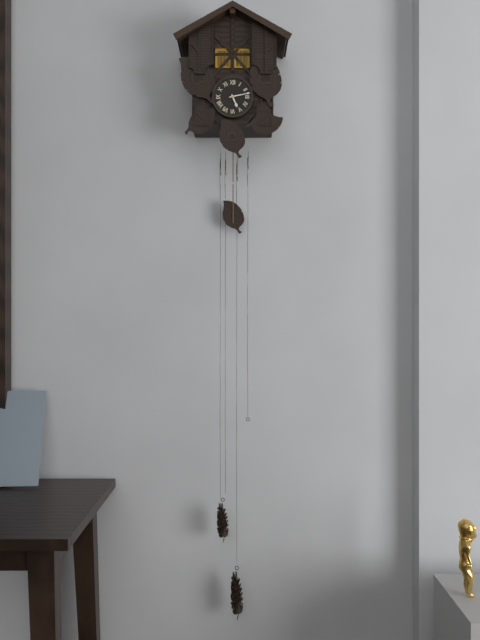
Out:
5.13
